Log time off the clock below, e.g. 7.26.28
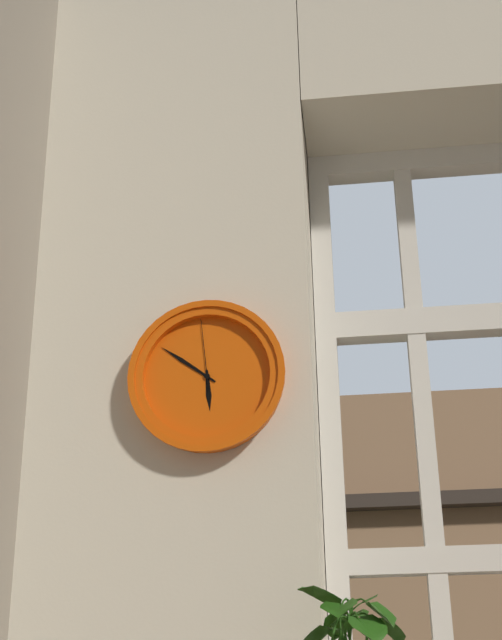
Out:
5.51.59
